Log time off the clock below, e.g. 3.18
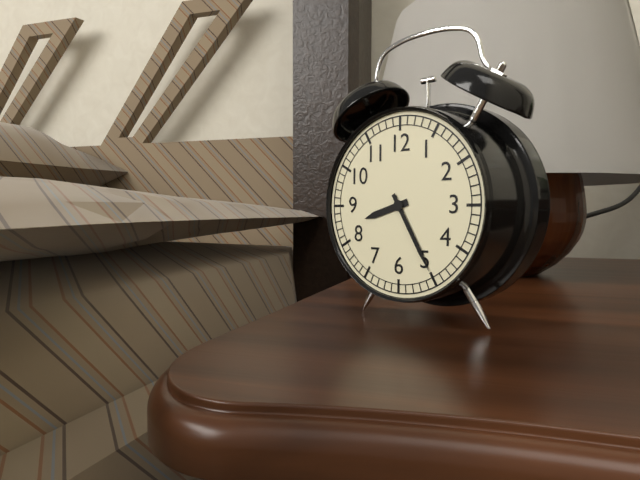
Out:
8.25
